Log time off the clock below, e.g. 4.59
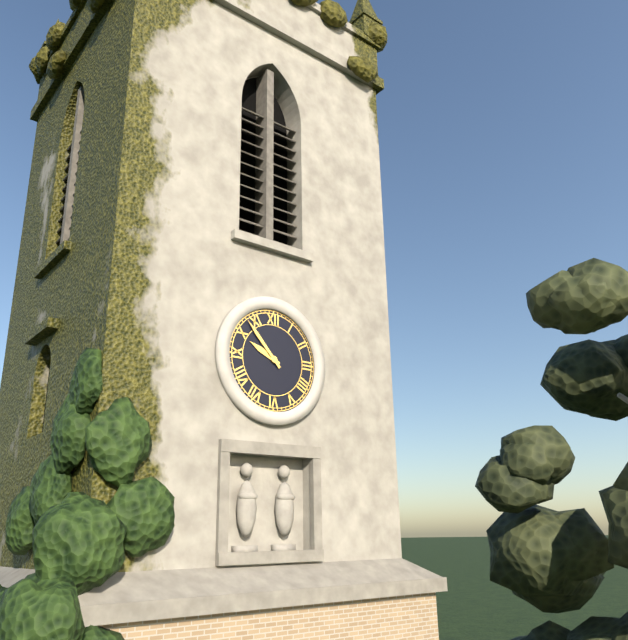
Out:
9.53
